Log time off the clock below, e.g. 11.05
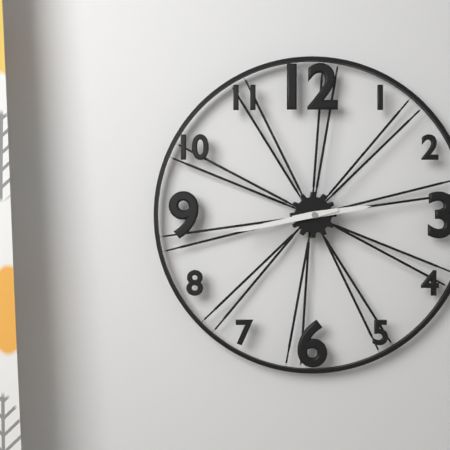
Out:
2.43
